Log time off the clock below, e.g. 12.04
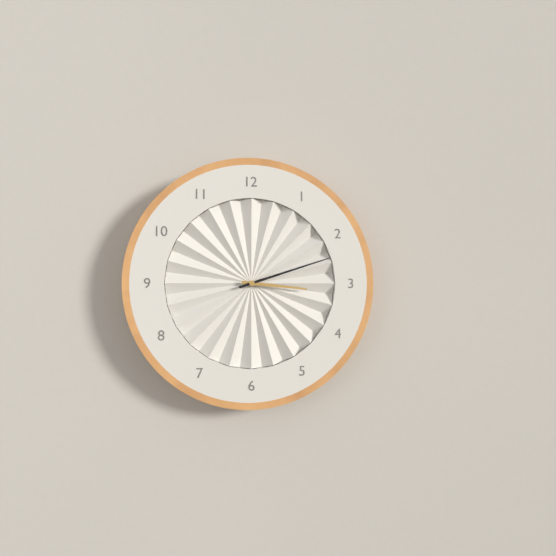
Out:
3.12
